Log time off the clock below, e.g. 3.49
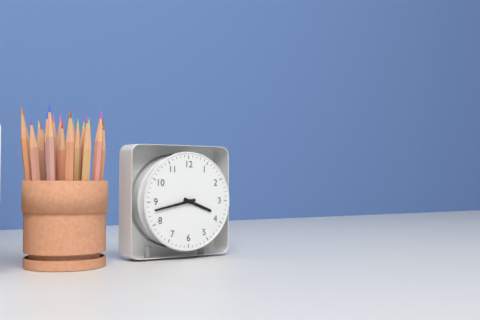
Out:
3.43
